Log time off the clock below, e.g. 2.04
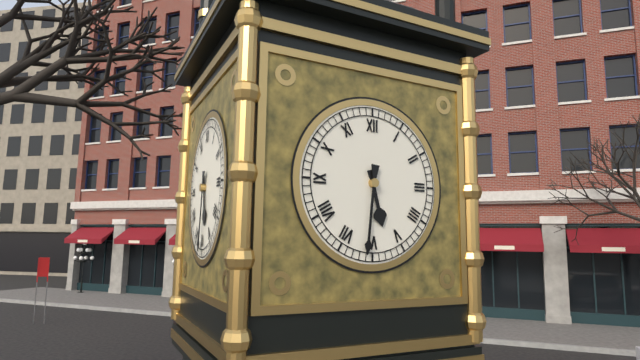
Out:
5.31
